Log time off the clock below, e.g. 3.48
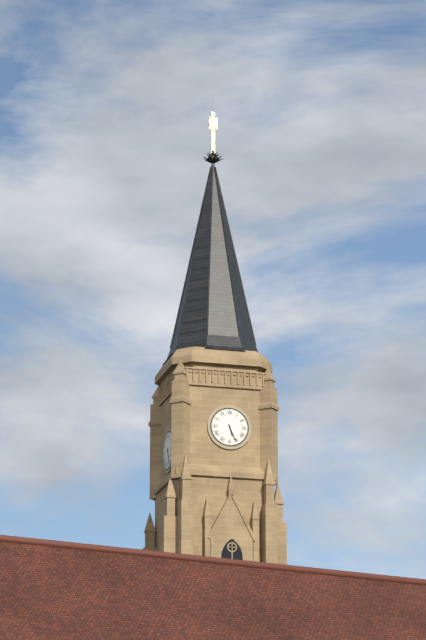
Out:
5.26
